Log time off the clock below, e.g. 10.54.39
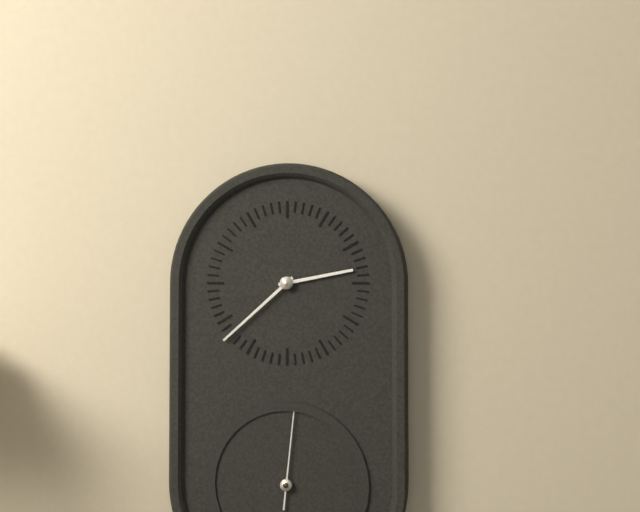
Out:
2.38.01
